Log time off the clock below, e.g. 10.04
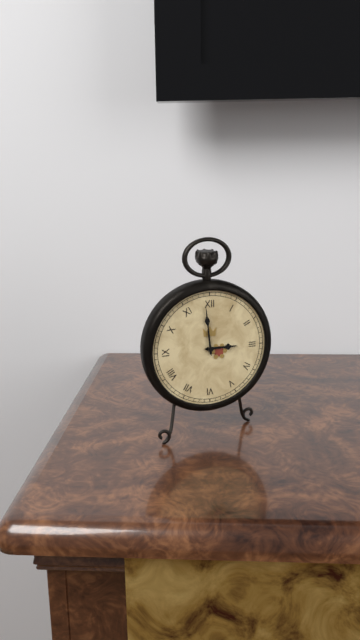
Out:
2.59
